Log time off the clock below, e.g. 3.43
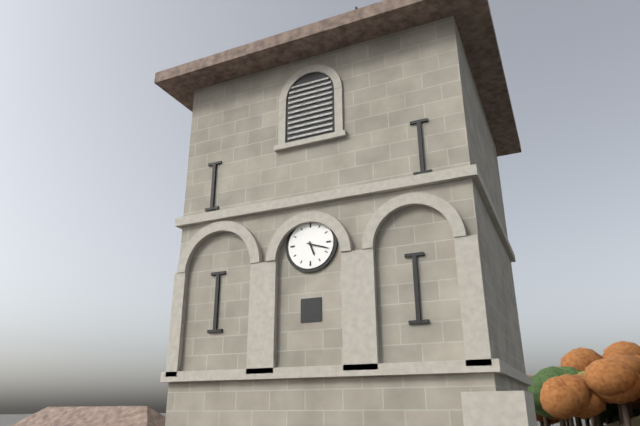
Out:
5.18
